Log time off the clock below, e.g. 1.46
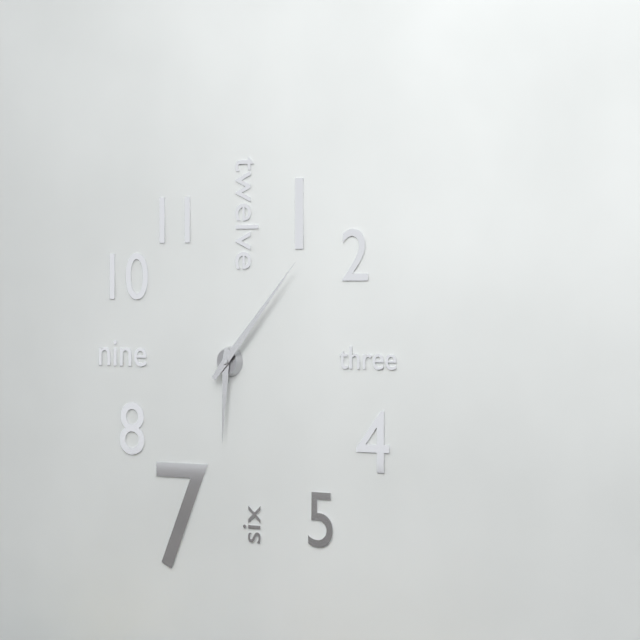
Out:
6.07
